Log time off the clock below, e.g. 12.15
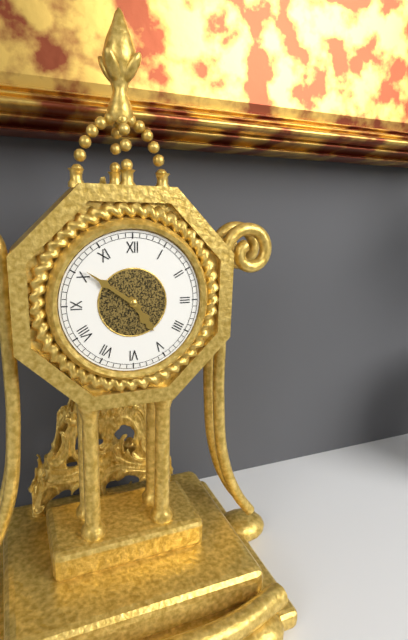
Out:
4.51
